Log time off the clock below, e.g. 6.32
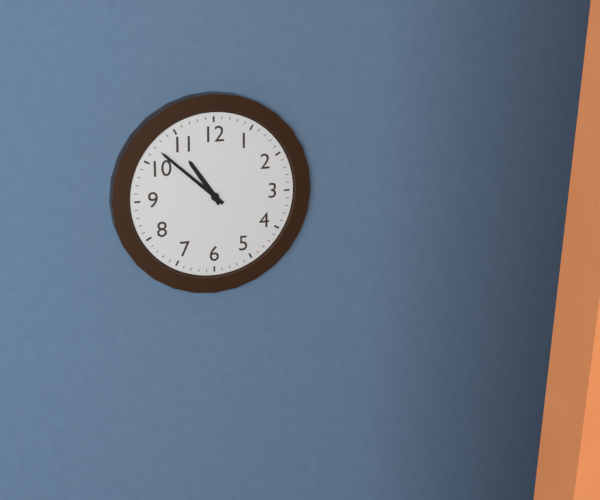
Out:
10.52
